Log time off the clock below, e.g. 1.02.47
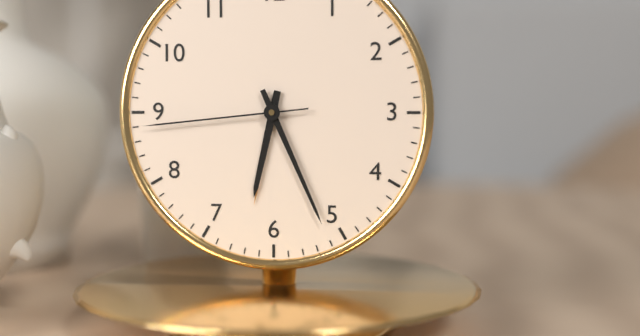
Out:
6.26.44
